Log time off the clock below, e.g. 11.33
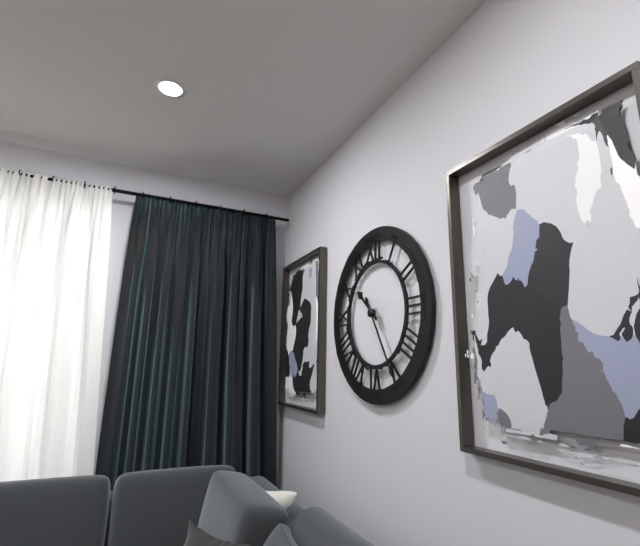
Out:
10.25
